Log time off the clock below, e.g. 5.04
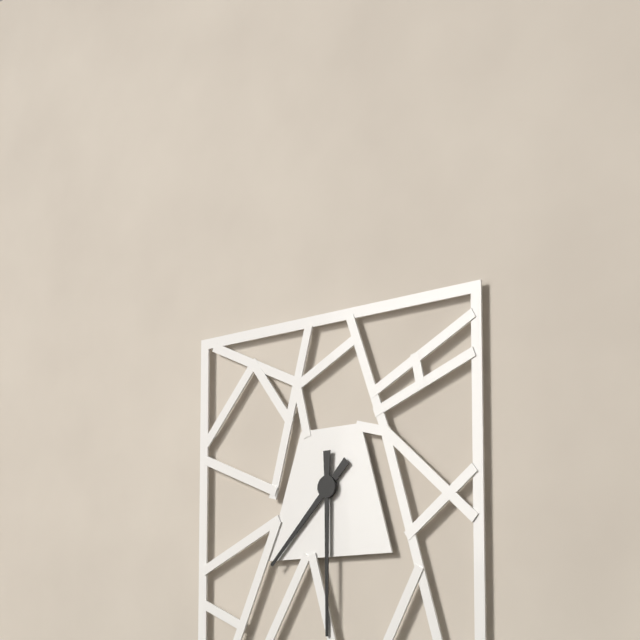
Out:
7.30
